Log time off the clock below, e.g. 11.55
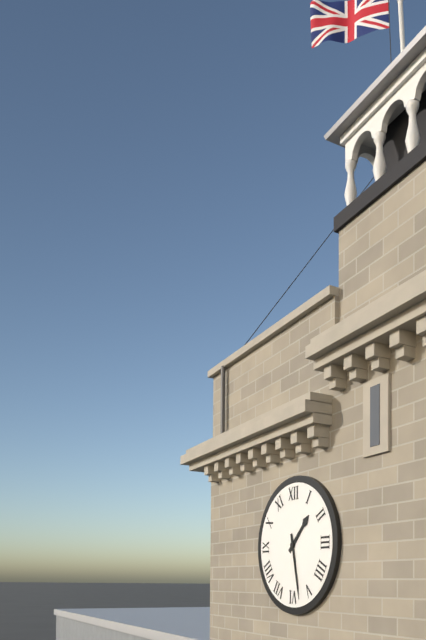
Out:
1.28
